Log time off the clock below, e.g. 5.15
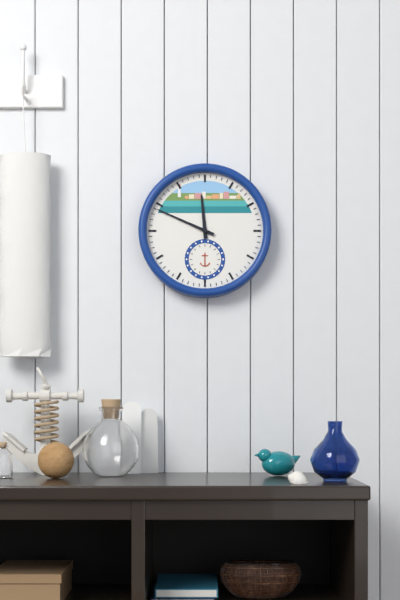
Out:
11.49
